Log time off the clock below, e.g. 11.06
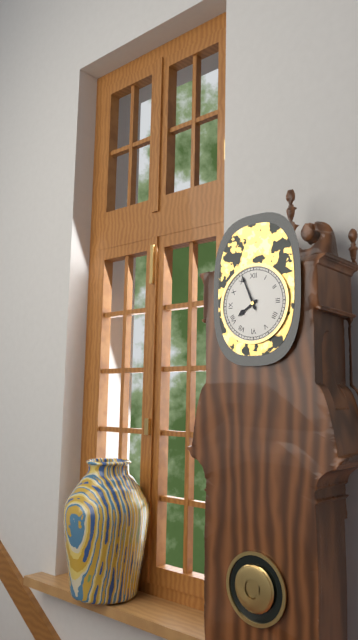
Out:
7.56
